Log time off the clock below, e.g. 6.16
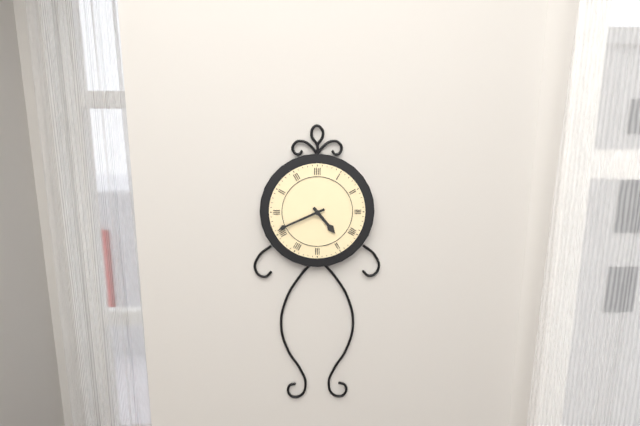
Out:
4.41
